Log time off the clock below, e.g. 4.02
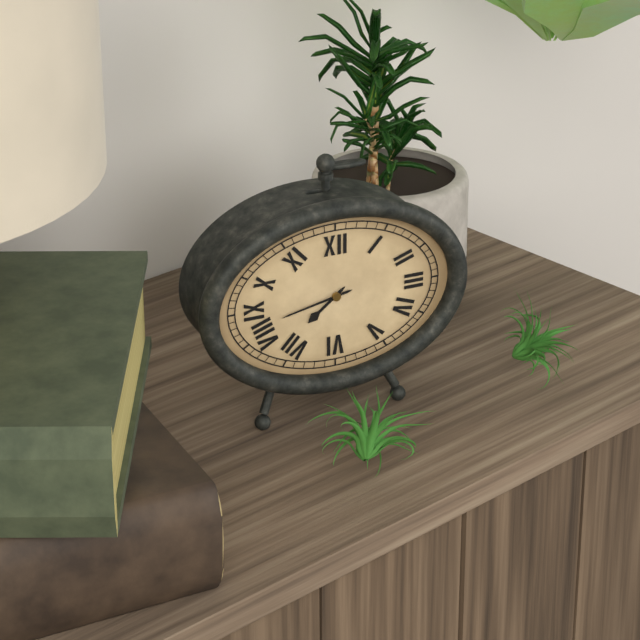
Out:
7.43
